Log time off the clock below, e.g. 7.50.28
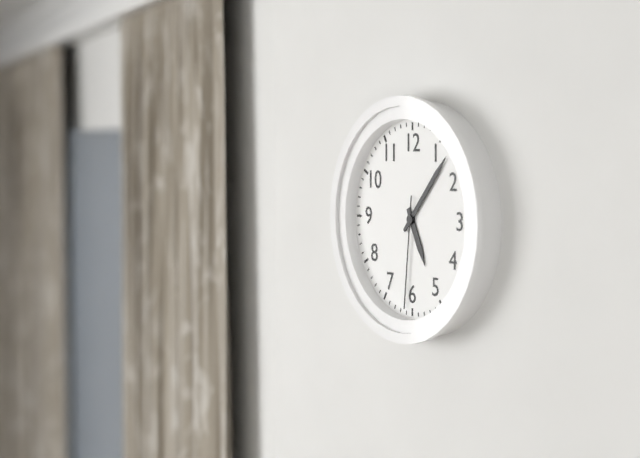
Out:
5.07.31
